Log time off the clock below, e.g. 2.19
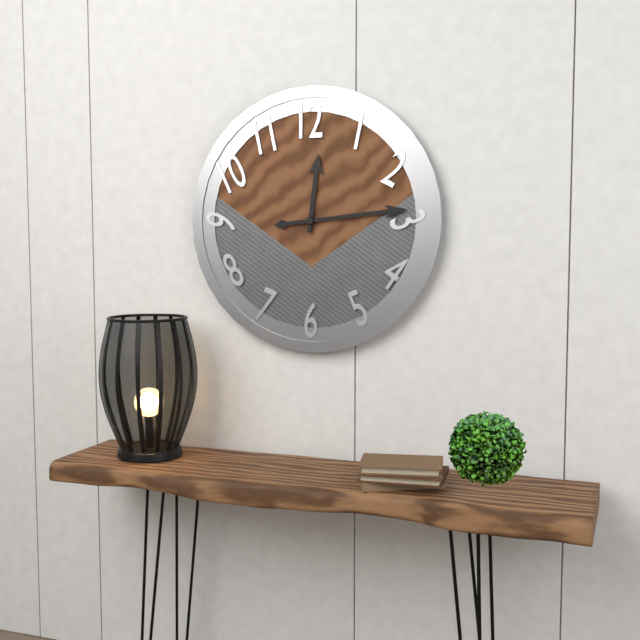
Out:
12.14
